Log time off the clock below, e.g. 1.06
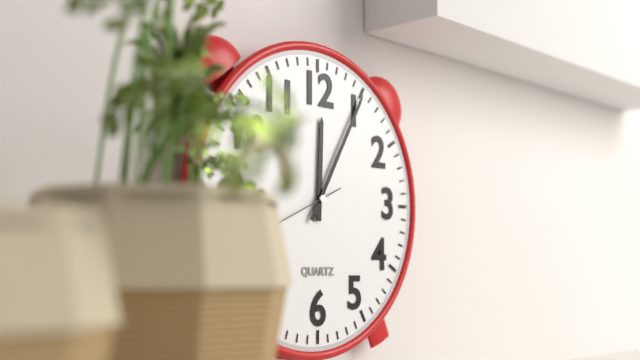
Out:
12.05
